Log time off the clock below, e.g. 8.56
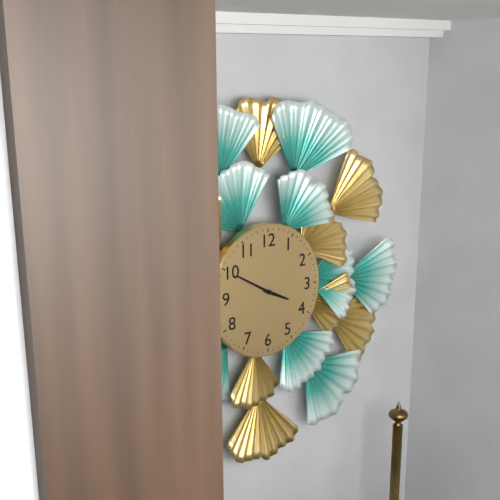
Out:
3.50
